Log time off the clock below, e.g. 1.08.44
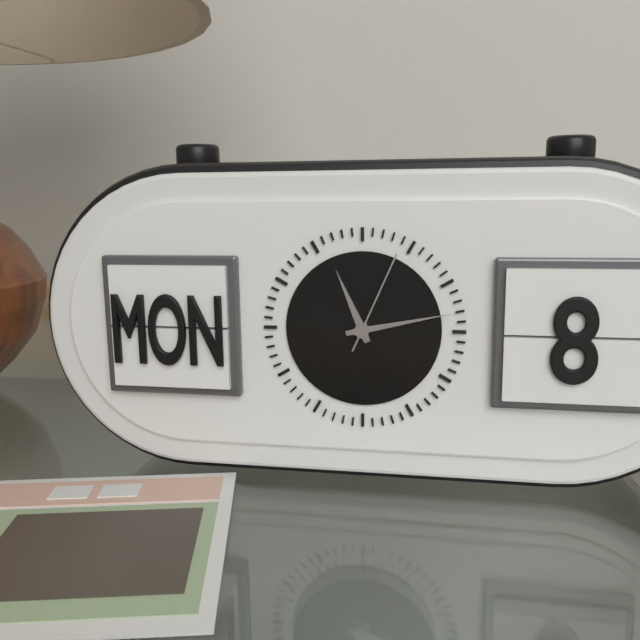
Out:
11.13.04
